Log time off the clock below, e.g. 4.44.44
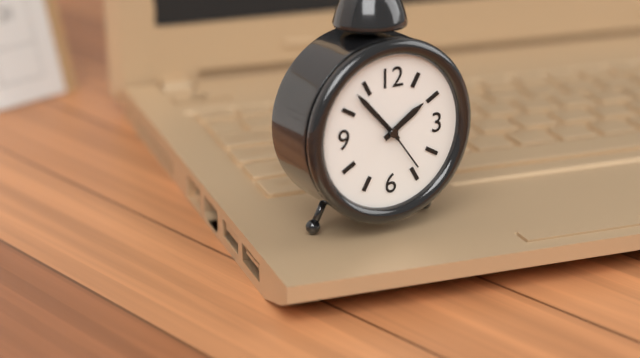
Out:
1.53.24
